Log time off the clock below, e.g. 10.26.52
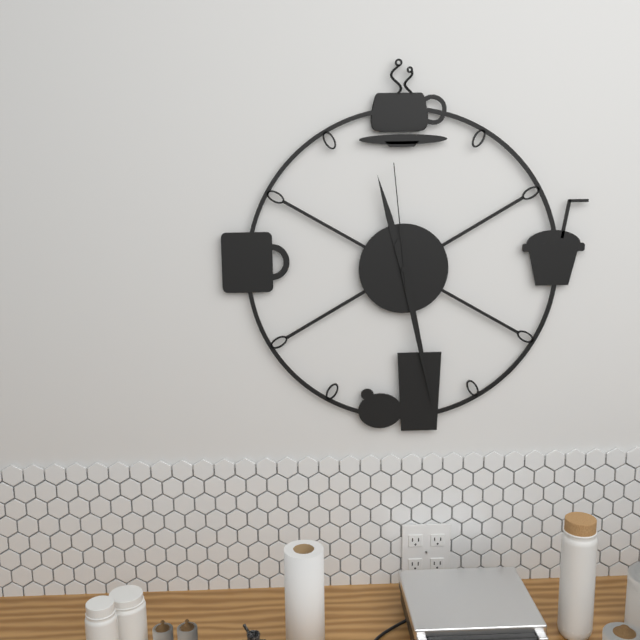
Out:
11.28.59
